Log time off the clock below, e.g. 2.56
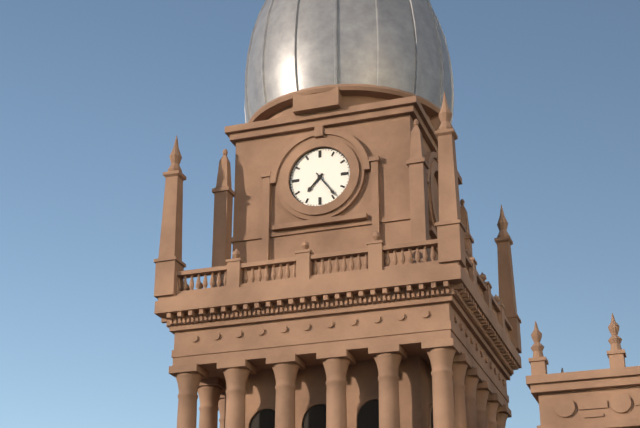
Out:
7.24
